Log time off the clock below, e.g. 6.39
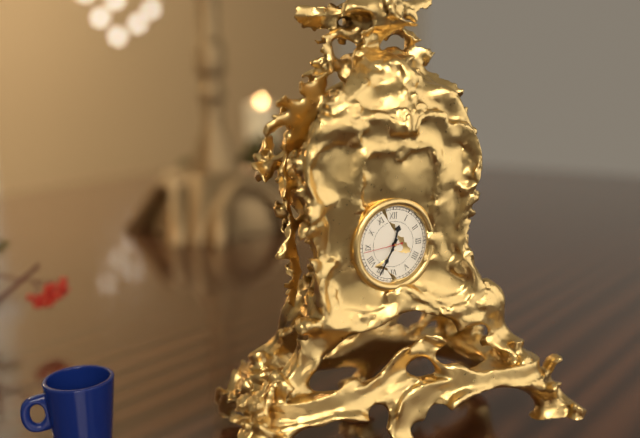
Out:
12.35
